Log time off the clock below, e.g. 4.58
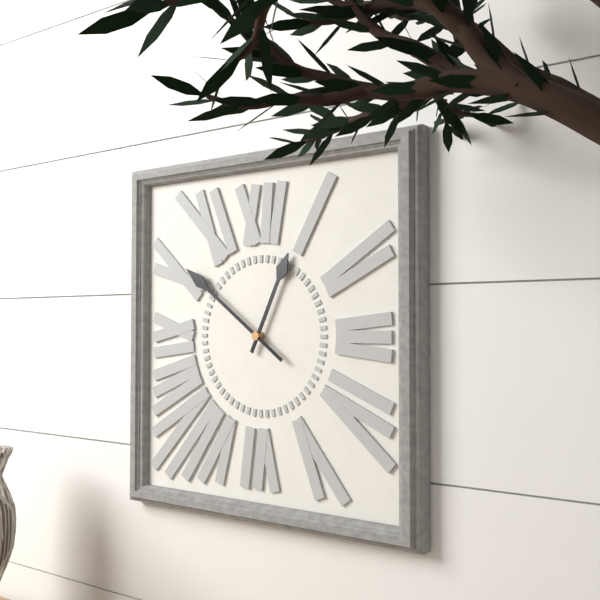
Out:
12.51
